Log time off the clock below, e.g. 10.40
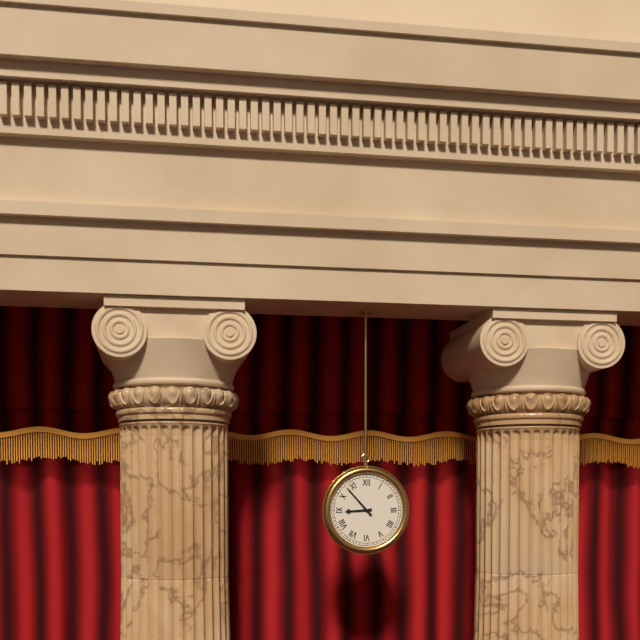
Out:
8.53
